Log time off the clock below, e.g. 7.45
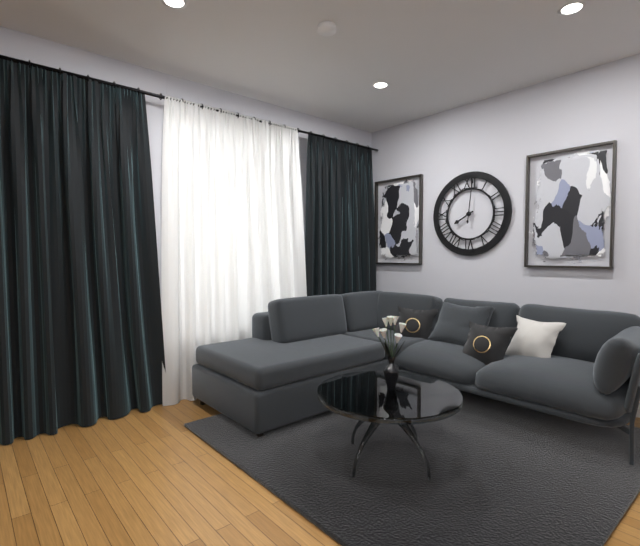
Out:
8.01
